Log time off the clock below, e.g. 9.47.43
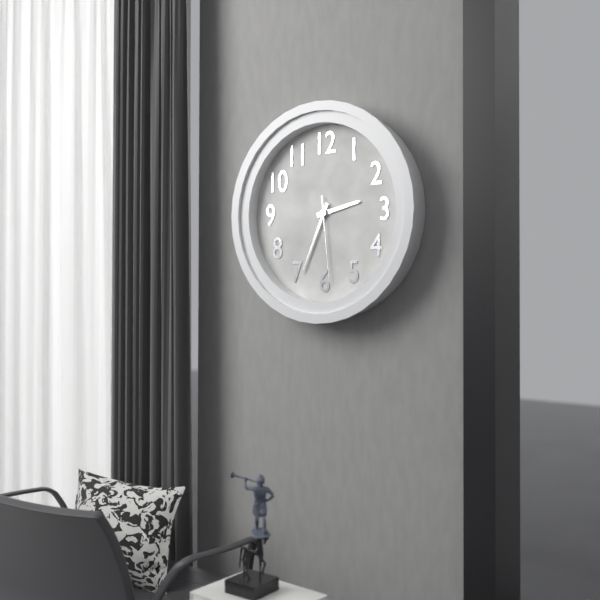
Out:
2.34.29
